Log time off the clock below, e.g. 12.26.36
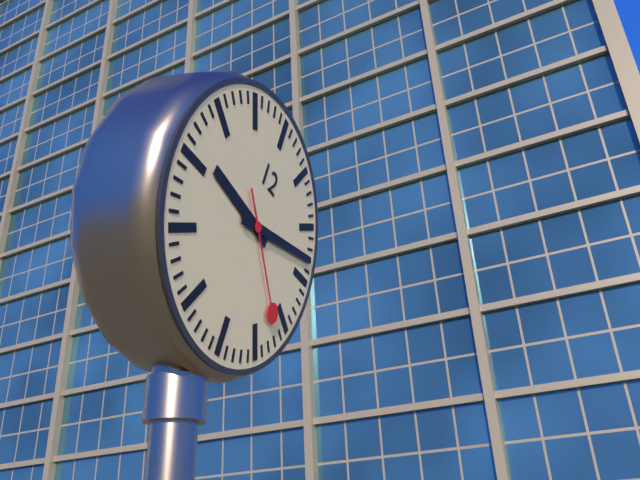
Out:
9.13.22
